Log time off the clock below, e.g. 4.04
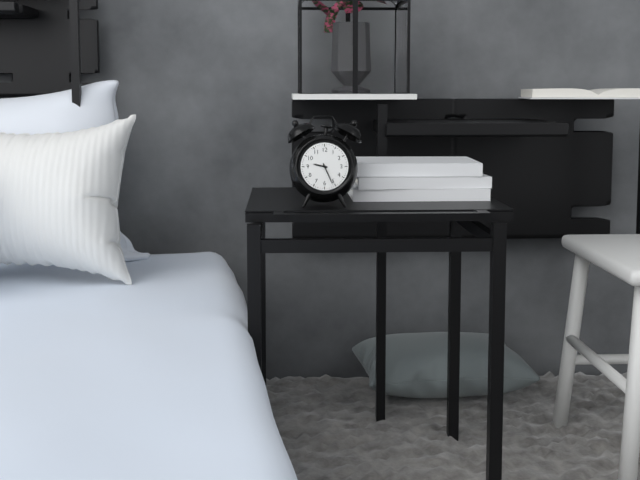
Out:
9.26
